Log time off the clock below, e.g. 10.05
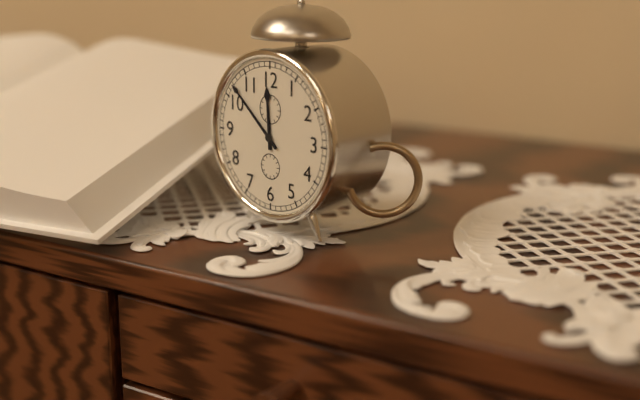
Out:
11.52
